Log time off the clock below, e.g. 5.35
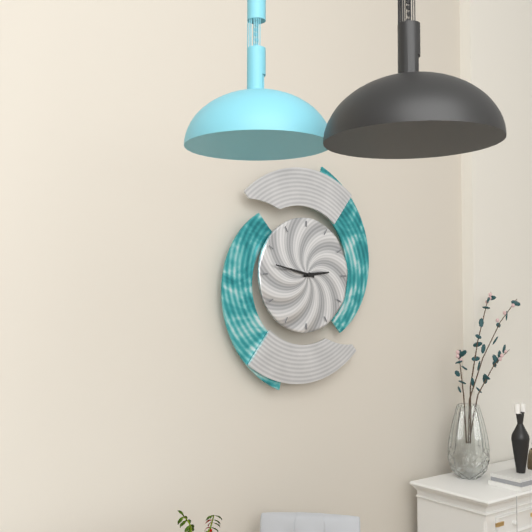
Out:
2.47
